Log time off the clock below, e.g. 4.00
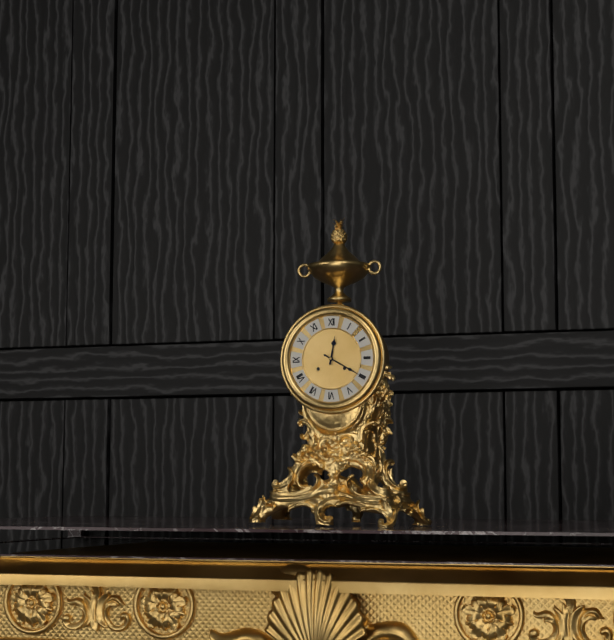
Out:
12.20
